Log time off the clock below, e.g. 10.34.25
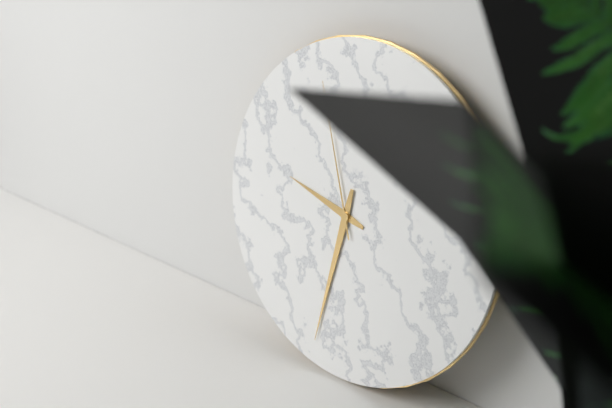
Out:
9.32.57
